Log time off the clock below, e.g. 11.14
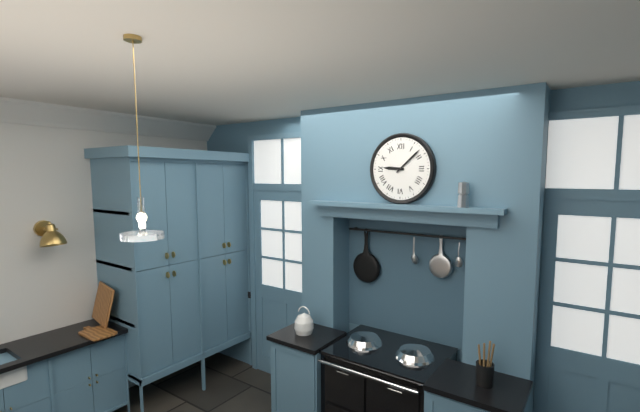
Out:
9.08
